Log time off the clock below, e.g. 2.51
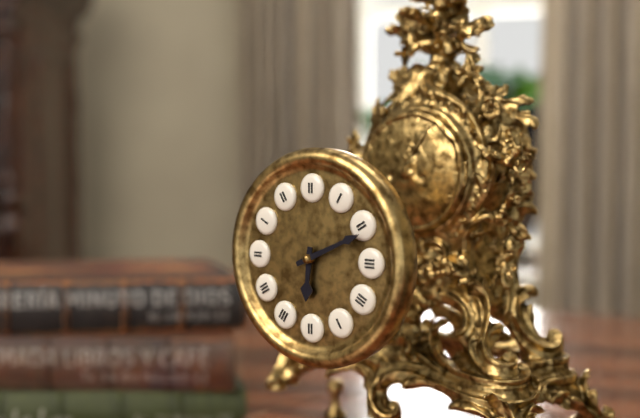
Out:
6.11
